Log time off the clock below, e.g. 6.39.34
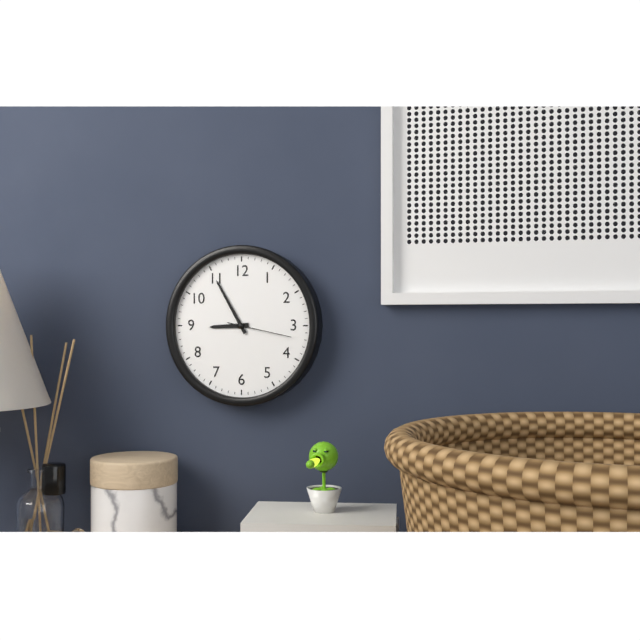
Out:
8.55.17
